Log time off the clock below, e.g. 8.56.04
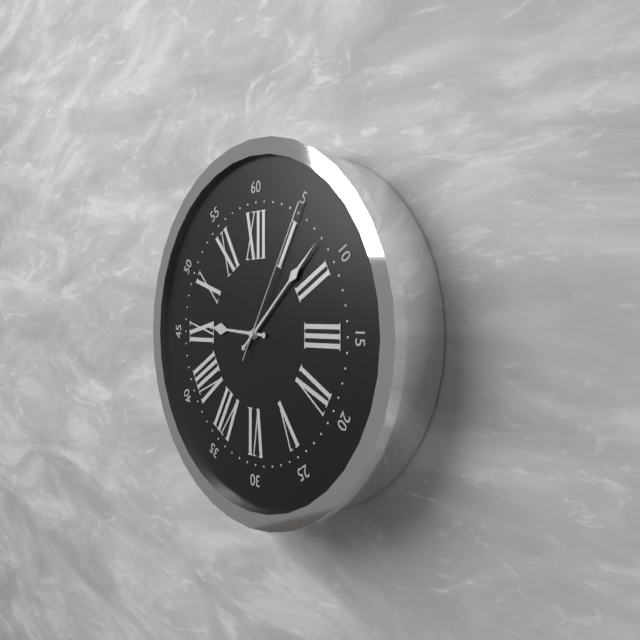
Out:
9.08.05
